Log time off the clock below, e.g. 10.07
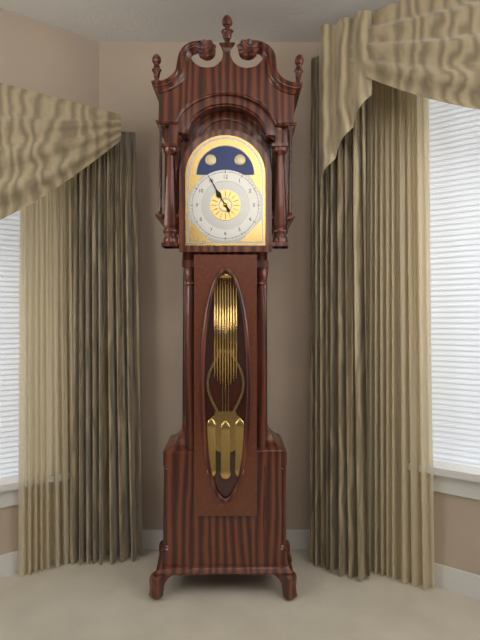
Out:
10.55
